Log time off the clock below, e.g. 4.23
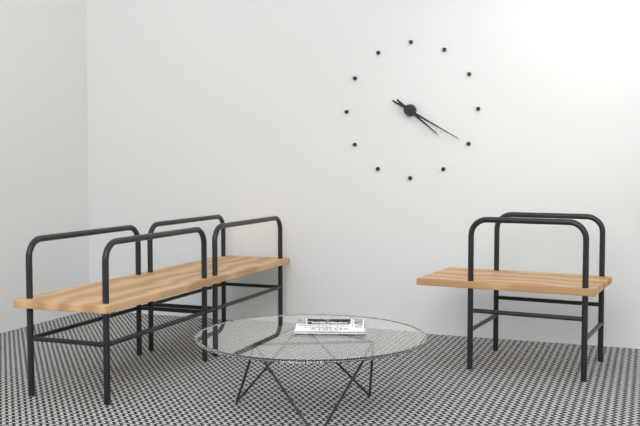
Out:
4.20
